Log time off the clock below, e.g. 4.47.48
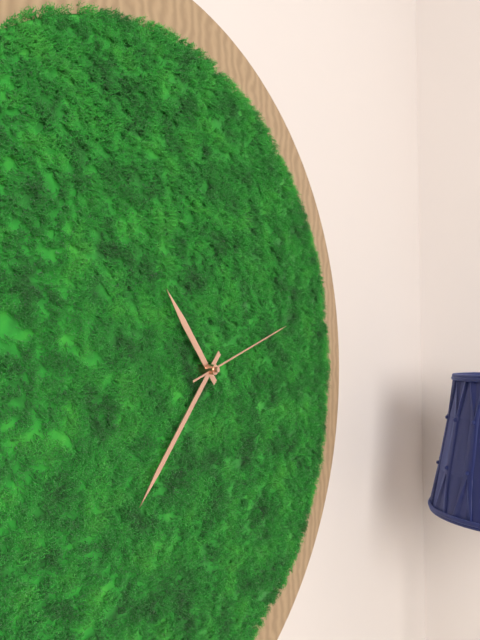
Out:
10.37.12
